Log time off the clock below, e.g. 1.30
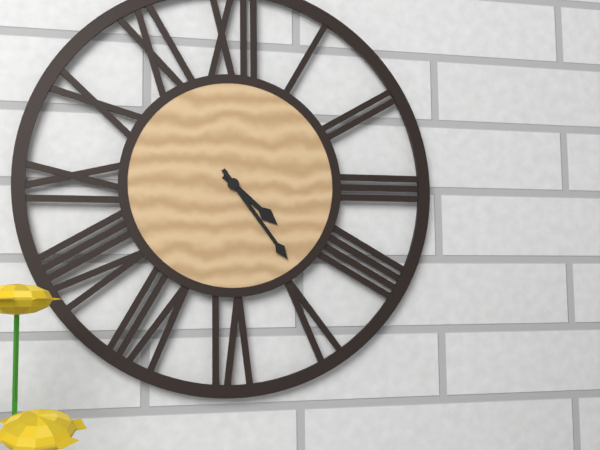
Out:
4.24
